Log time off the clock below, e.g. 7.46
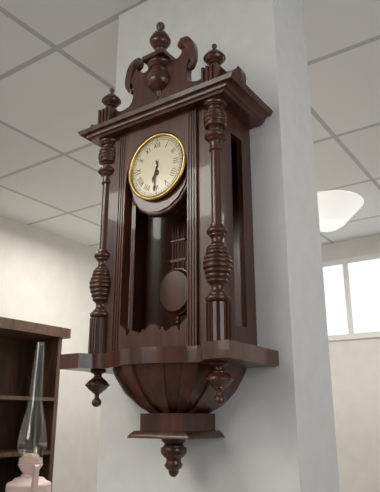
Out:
6.31
